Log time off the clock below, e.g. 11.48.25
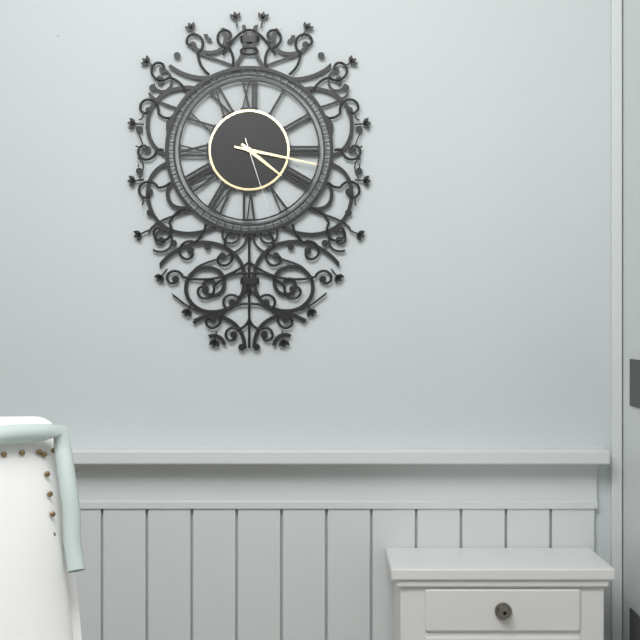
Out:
4.17.27
